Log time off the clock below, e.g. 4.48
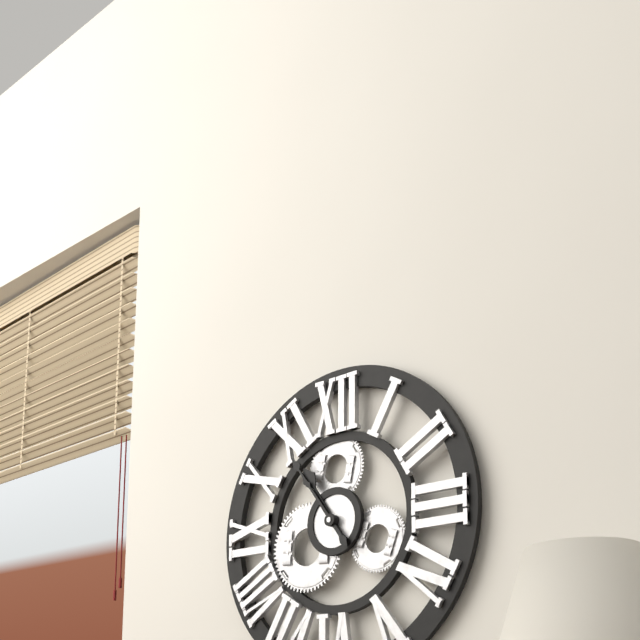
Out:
10.54
